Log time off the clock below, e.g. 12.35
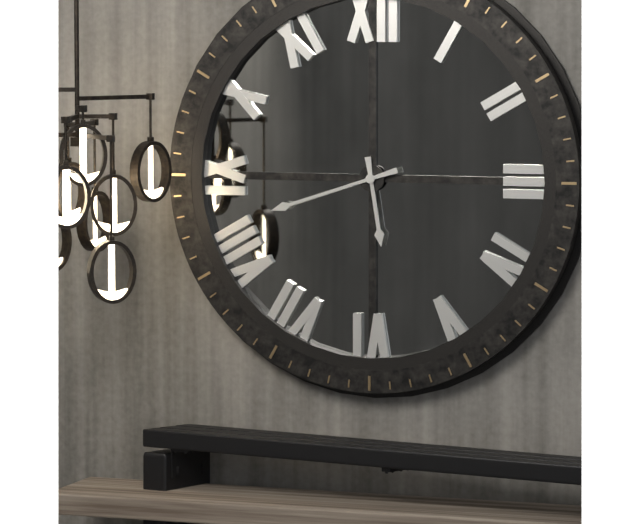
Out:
5.42
